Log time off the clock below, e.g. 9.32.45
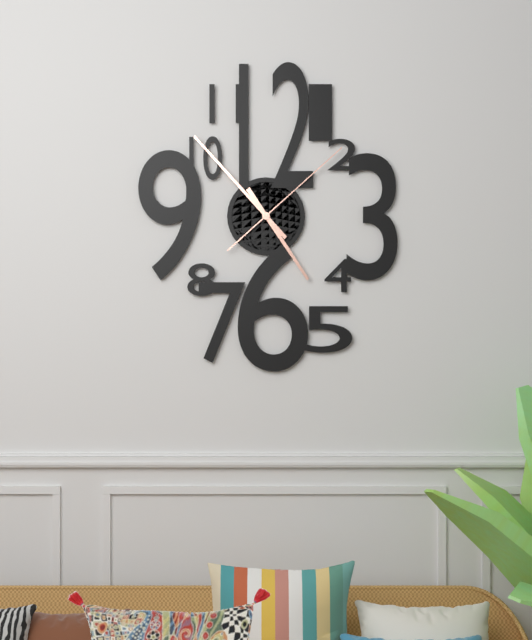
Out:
4.53.08
